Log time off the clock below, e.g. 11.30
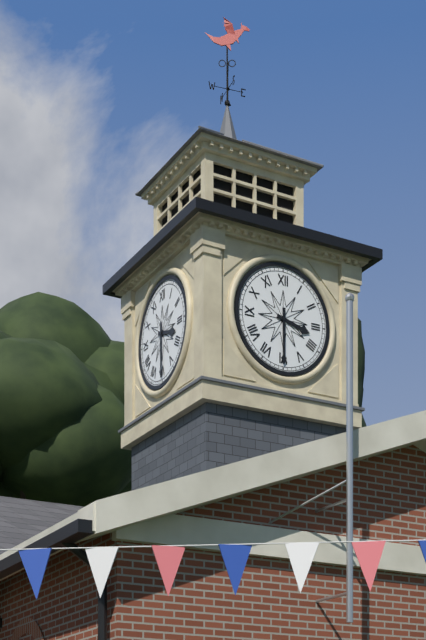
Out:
3.30
